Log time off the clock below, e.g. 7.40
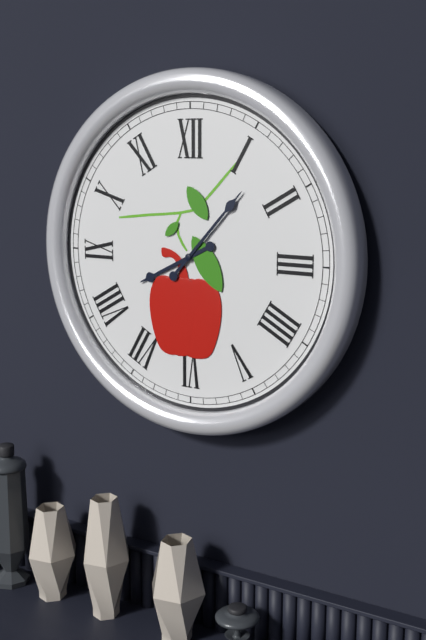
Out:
8.07
